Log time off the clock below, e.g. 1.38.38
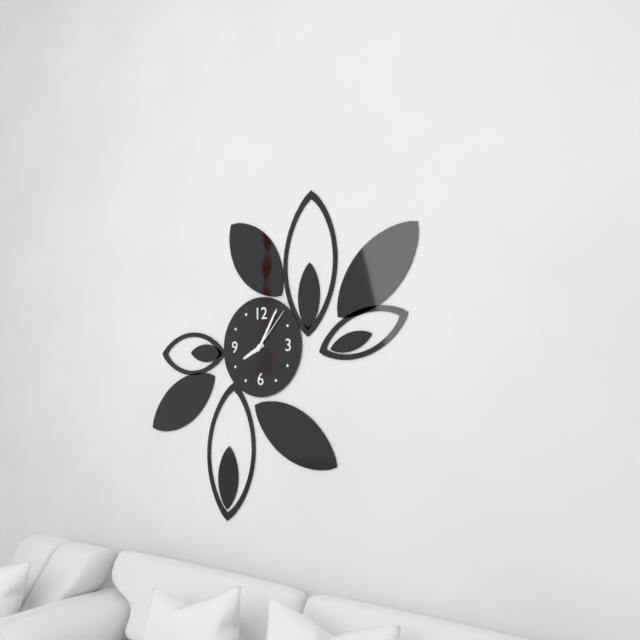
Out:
8.05.07
